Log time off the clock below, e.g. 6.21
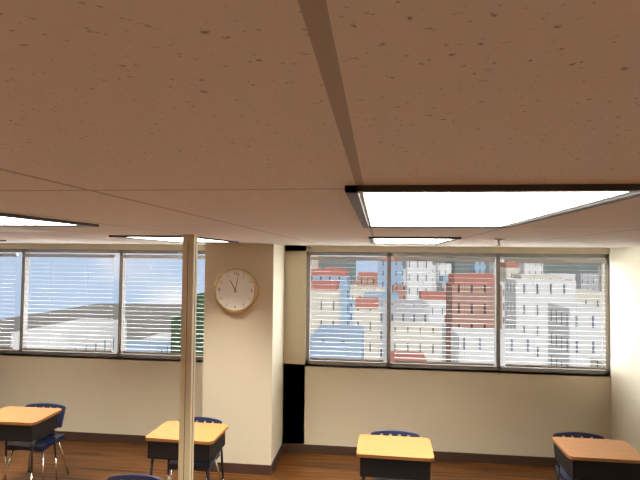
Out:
11.02
